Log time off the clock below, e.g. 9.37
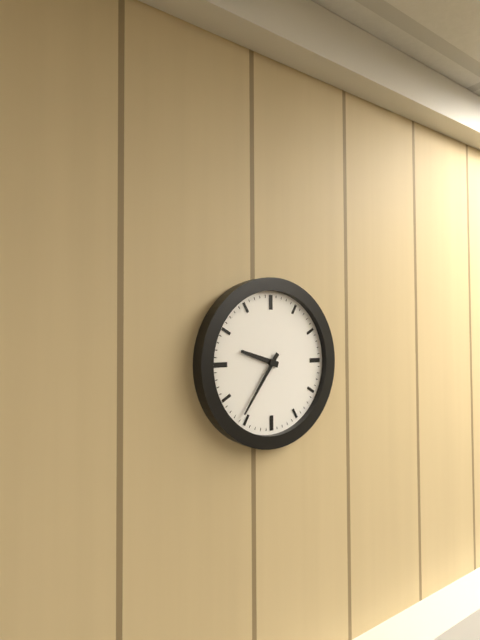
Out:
9.36
